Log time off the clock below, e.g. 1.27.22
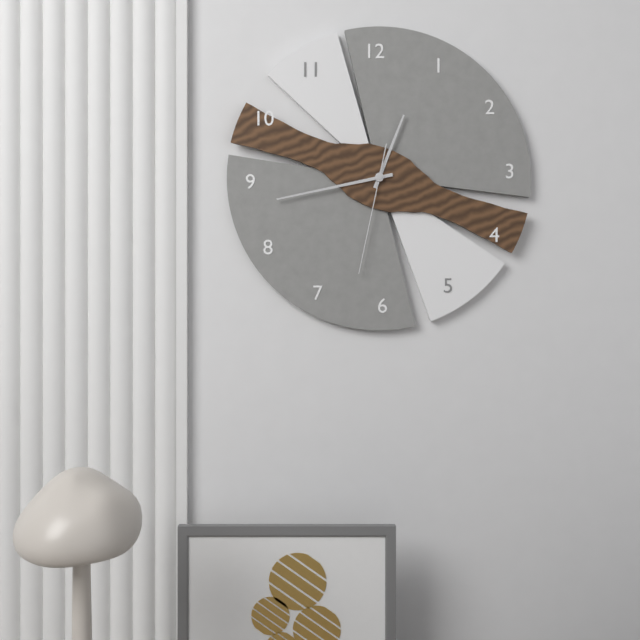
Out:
12.43.32
